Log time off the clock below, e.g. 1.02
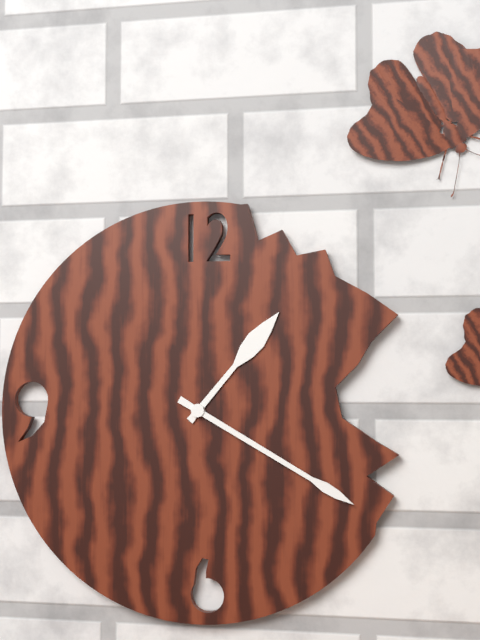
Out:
1.20
